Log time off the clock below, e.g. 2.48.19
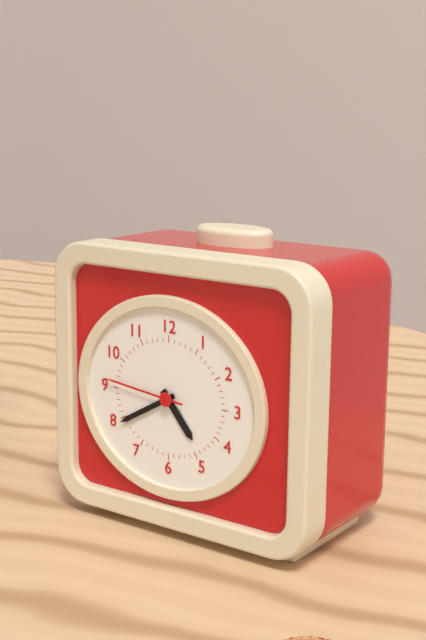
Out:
4.40.46
